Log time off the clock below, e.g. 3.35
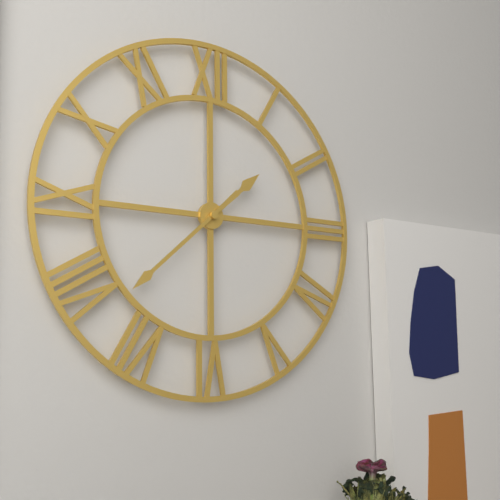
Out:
1.38
